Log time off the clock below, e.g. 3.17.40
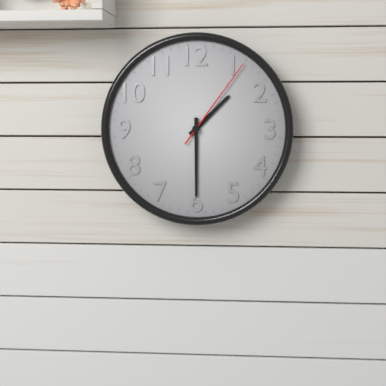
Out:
1.30.06
